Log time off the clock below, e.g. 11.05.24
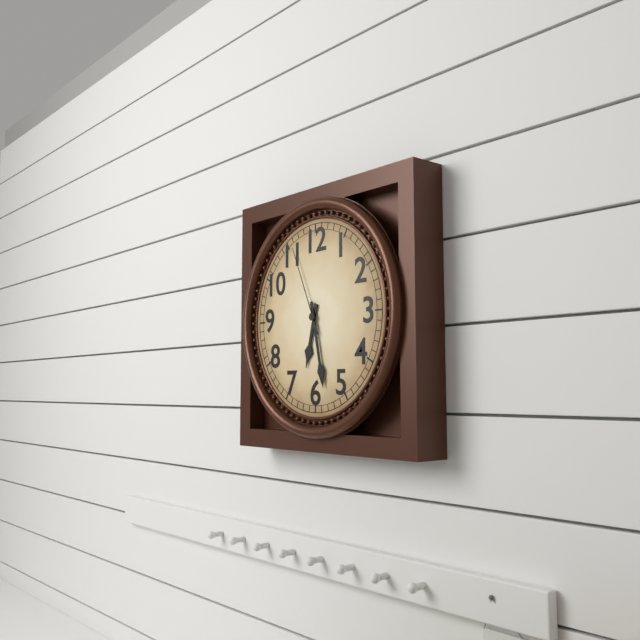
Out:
6.28.56
